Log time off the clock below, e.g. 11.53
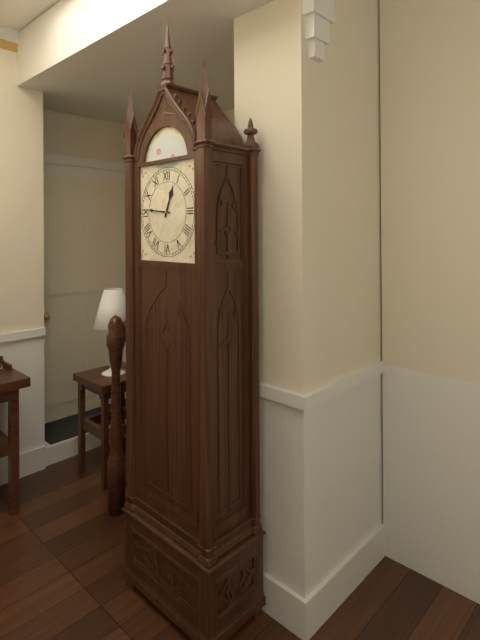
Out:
12.46
